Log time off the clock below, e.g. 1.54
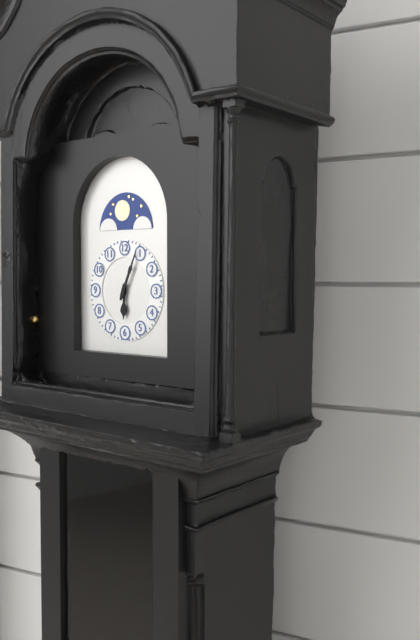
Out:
6.04
